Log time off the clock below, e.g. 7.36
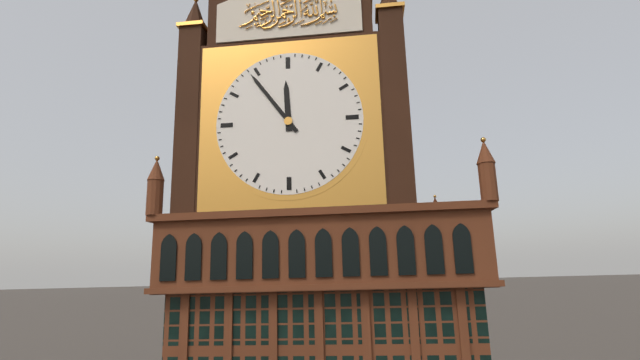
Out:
11.54
